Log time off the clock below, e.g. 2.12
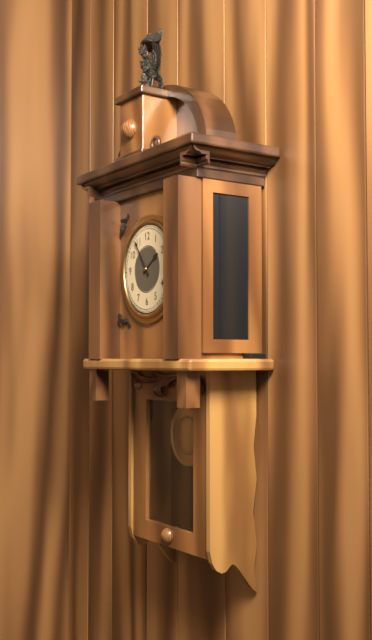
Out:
1.54
